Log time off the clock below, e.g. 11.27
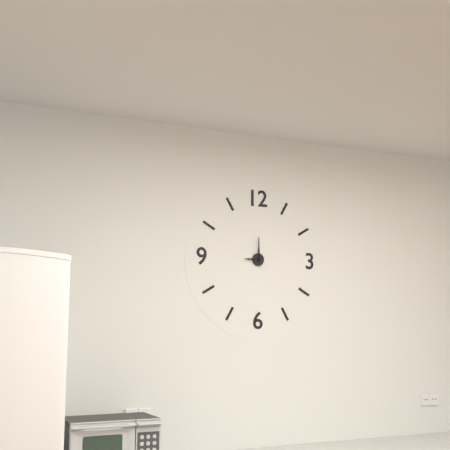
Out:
9.00
